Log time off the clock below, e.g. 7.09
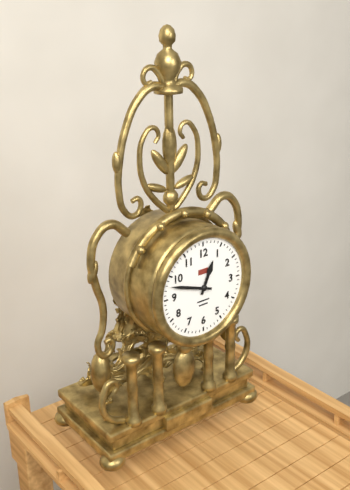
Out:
12.48
